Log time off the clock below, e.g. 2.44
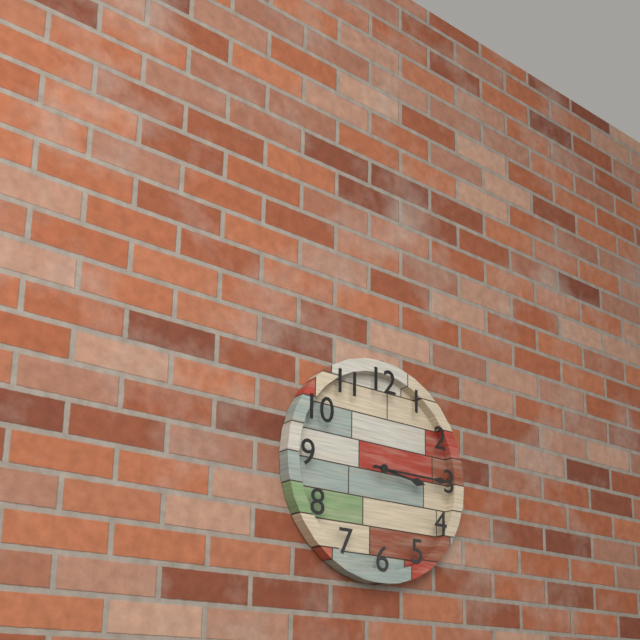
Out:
3.15
